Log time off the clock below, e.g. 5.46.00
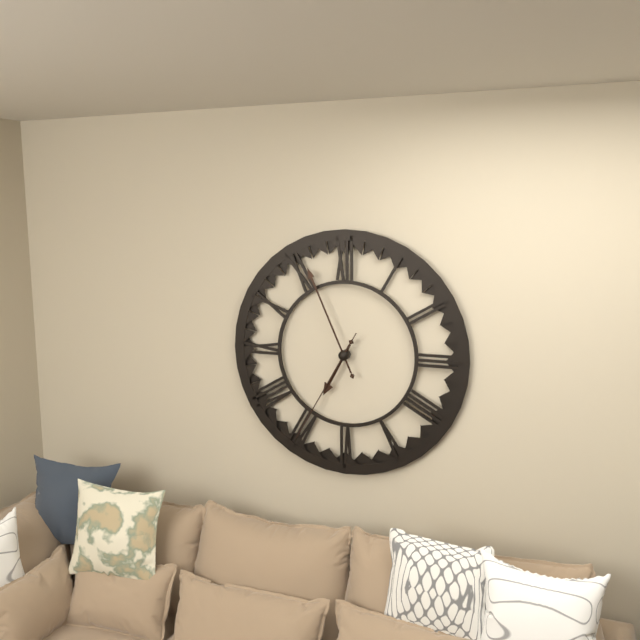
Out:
6.56.35
